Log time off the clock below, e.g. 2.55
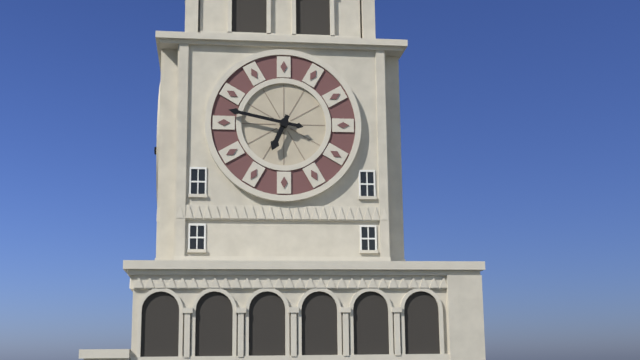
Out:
6.47
